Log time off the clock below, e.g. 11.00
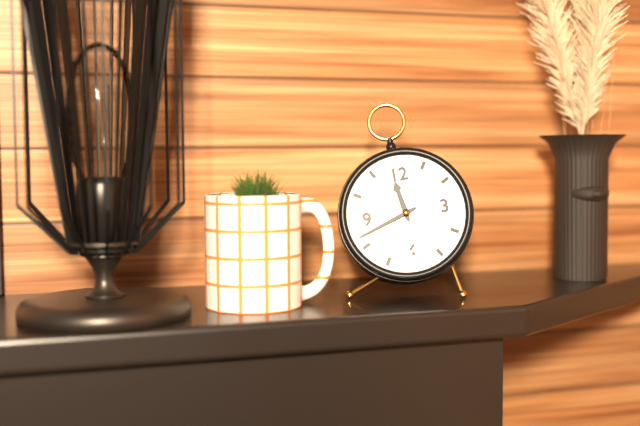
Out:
11.42
